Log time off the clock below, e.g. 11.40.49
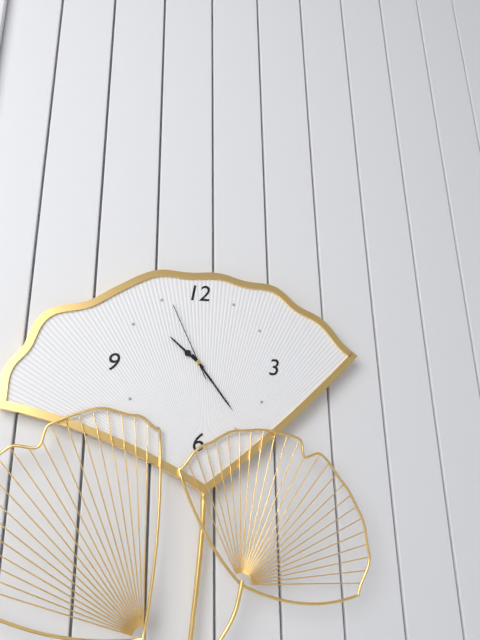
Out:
10.24.56
